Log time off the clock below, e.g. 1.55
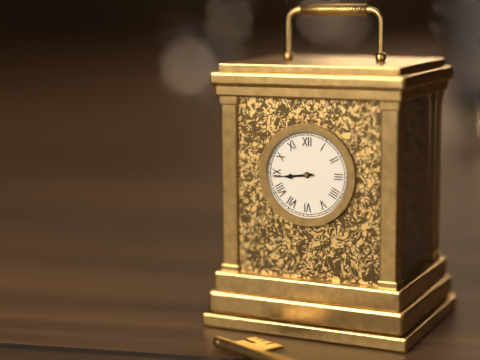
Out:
8.44
